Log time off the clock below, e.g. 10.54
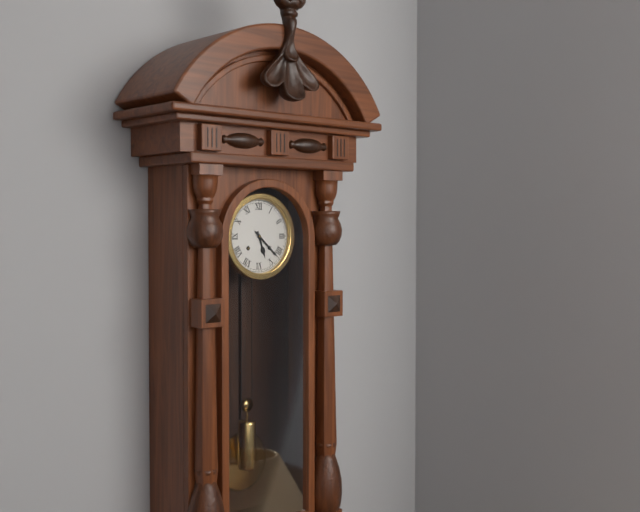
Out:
5.22
